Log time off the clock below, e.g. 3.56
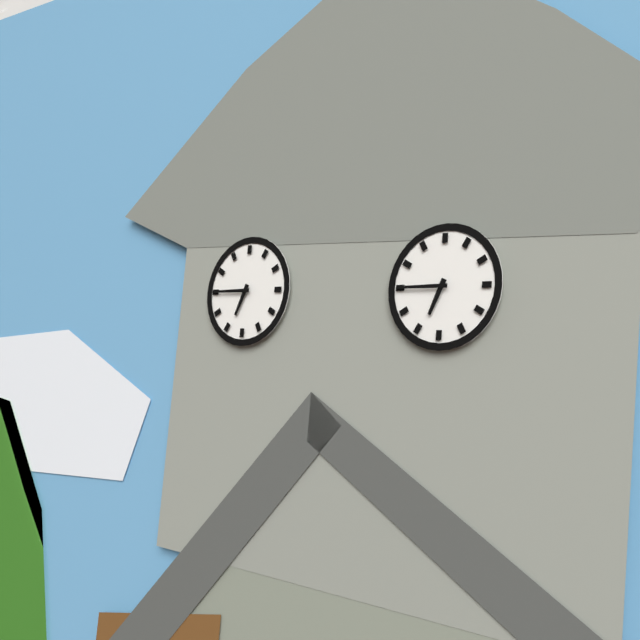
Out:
6.45
